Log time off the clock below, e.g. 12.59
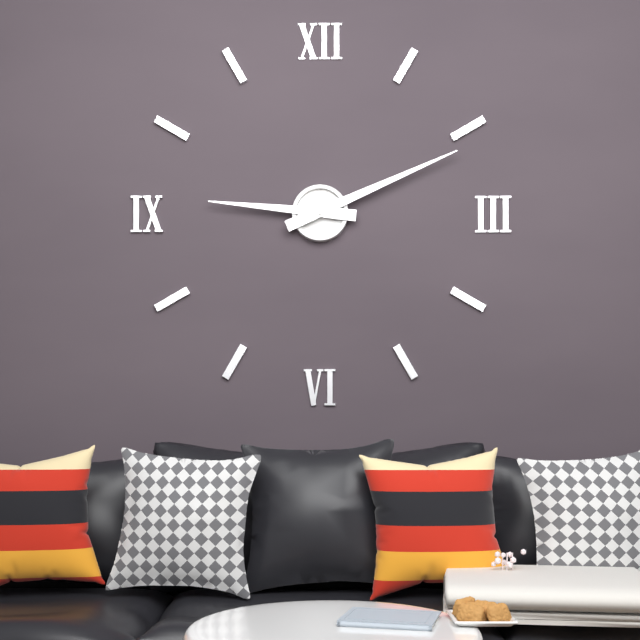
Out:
9.11
